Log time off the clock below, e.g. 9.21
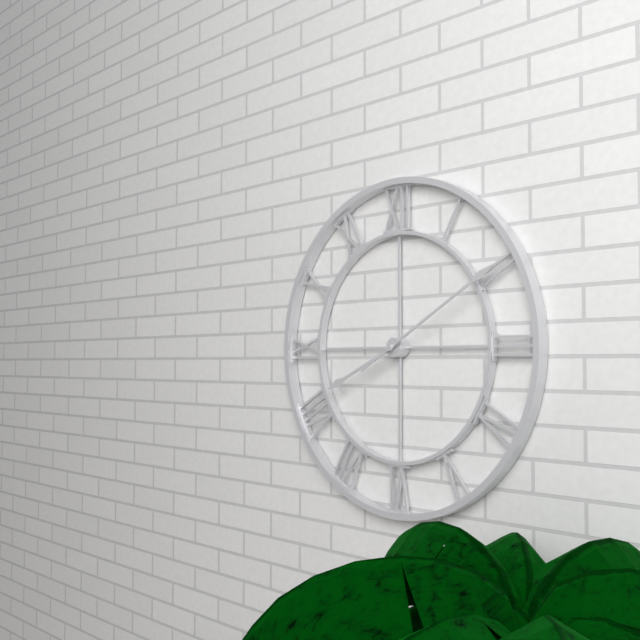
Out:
8.10
